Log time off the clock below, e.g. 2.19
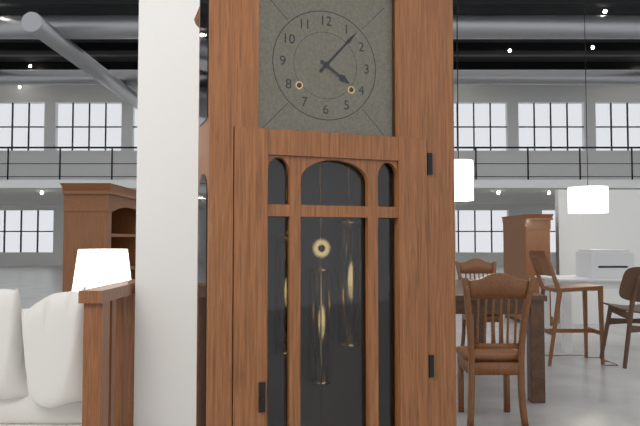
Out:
4.07
